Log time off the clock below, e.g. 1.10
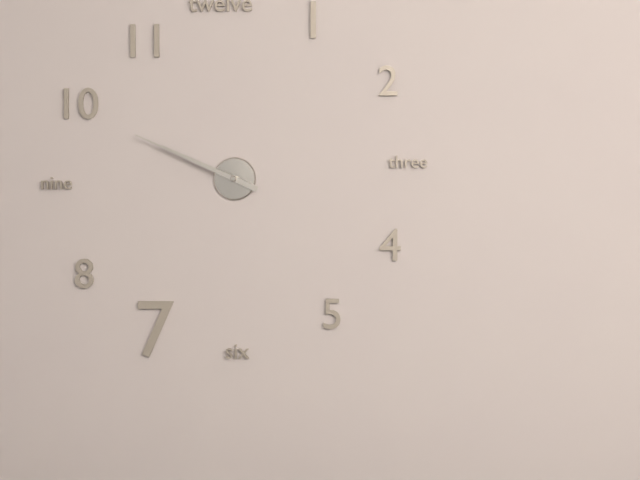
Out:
9.49
